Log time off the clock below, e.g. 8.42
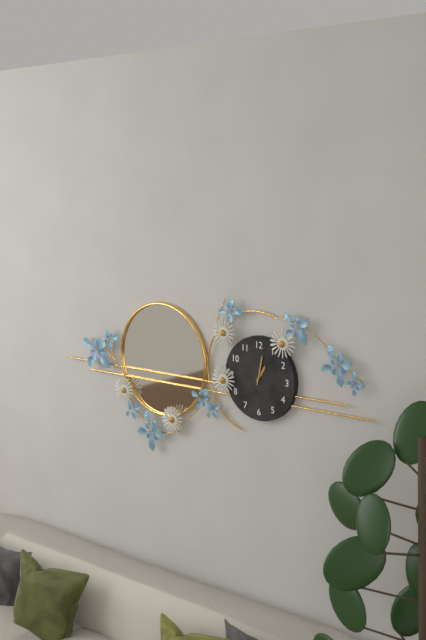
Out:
1.02
